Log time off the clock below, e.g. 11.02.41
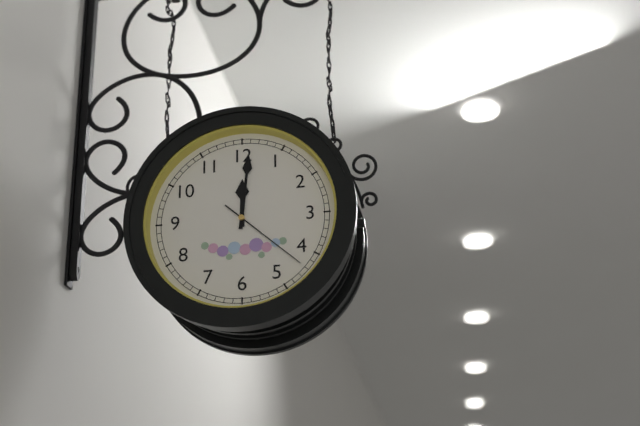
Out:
12.01.22
